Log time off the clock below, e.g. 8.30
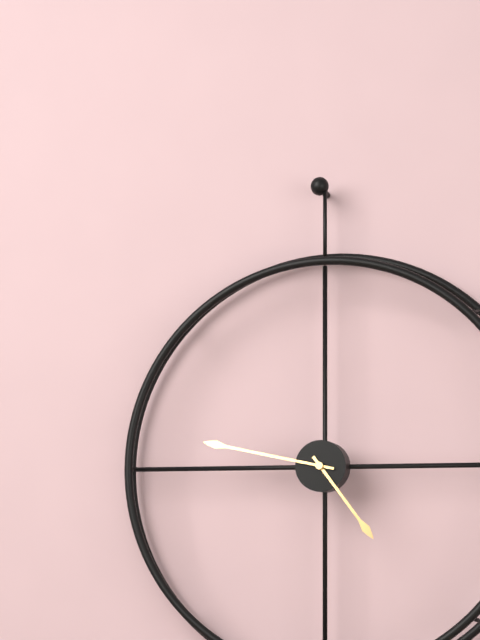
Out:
4.47
